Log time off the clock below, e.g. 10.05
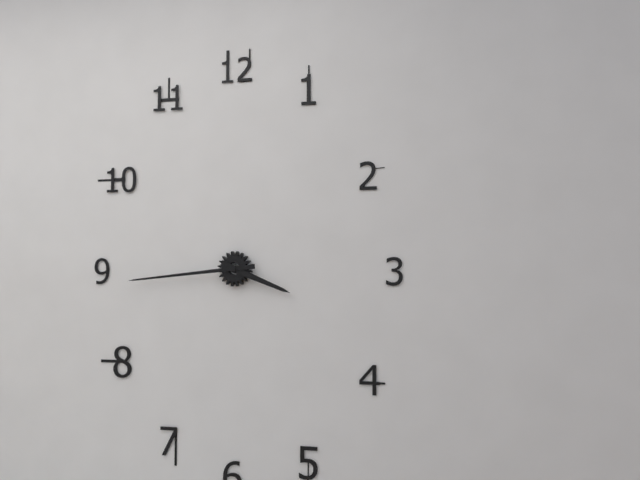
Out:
3.44
